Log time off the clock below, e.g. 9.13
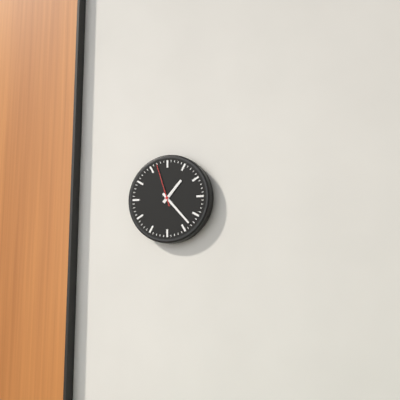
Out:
1.23
